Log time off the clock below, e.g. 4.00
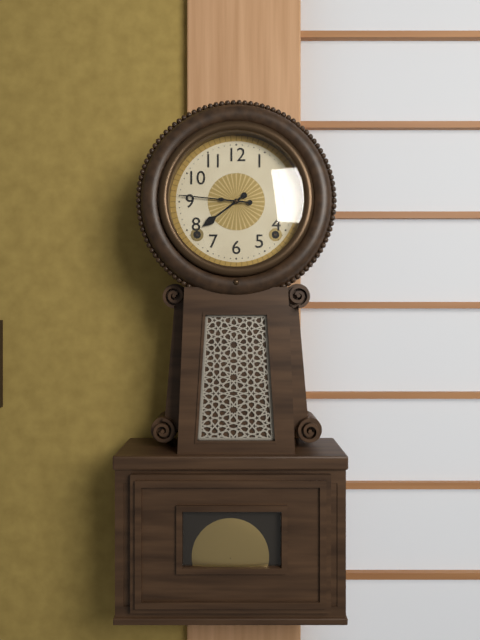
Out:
7.46
